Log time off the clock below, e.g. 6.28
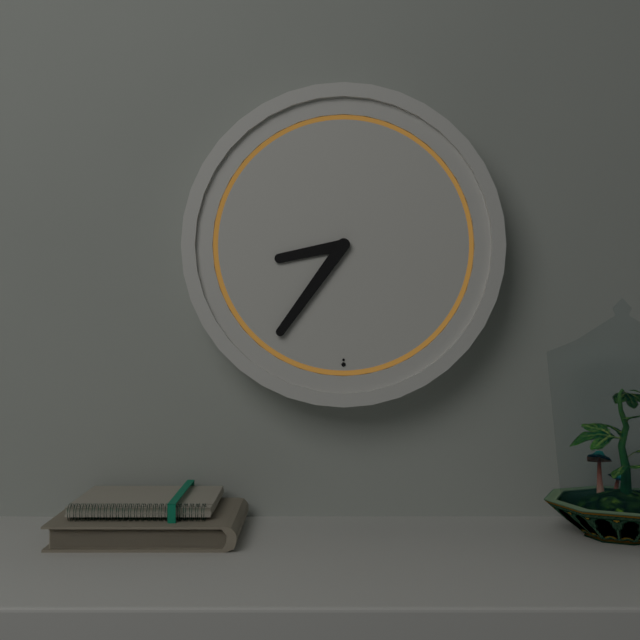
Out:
8.36
